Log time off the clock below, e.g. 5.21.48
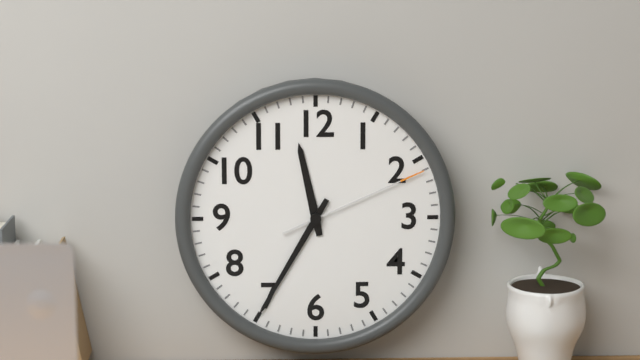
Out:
11.35.11
